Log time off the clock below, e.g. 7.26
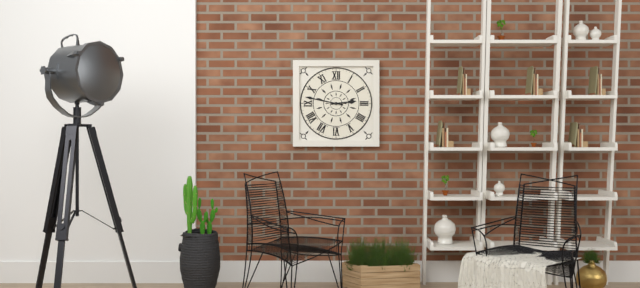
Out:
2.47
